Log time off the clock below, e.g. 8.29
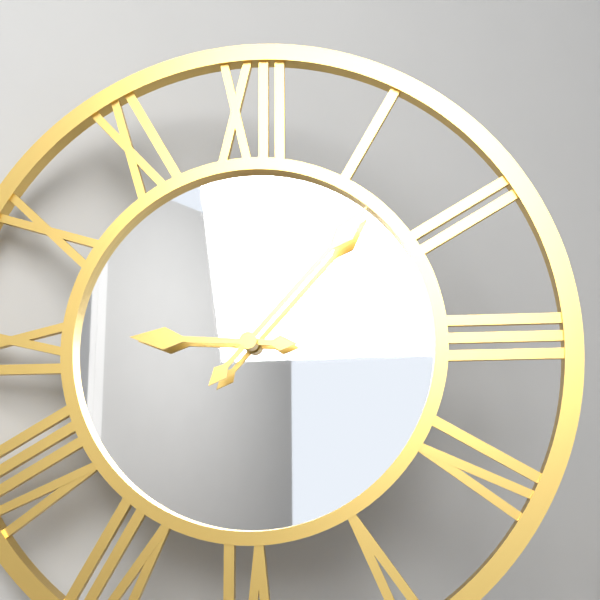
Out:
9.07
